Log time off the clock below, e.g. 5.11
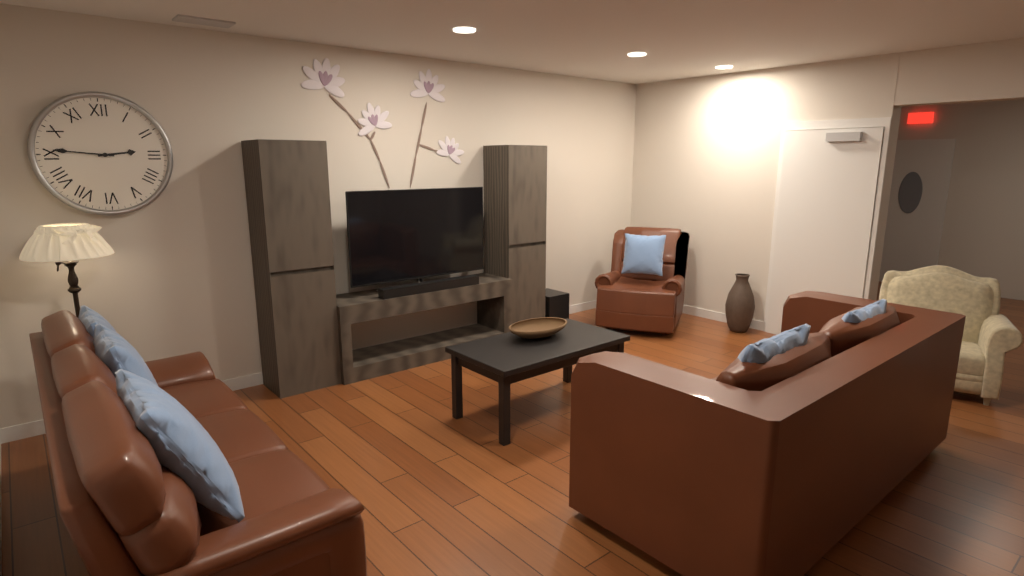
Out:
2.46
